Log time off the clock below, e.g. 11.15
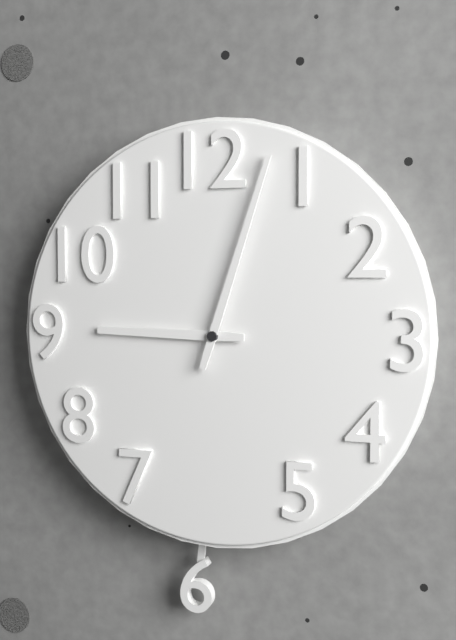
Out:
9.03
